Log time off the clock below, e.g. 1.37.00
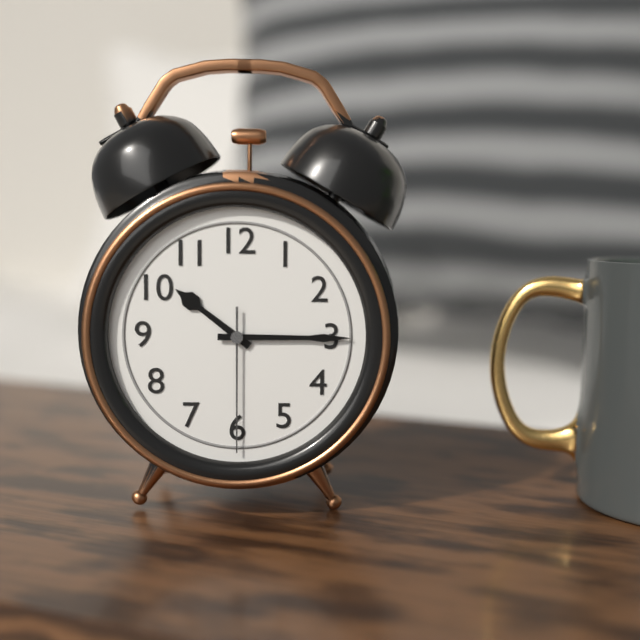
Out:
10.15.30
